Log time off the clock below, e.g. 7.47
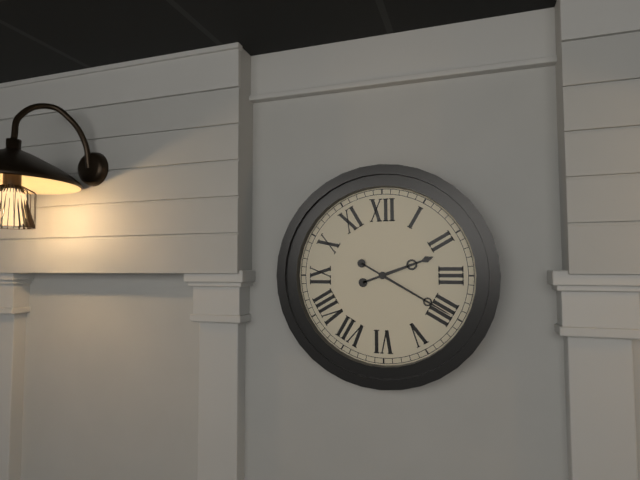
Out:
2.20
